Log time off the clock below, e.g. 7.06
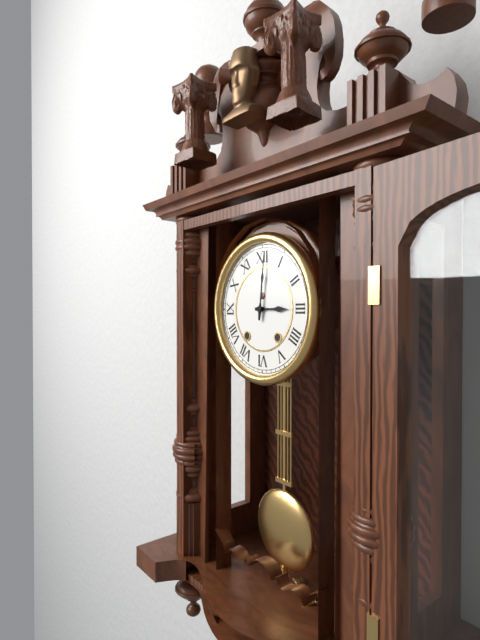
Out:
3.01
